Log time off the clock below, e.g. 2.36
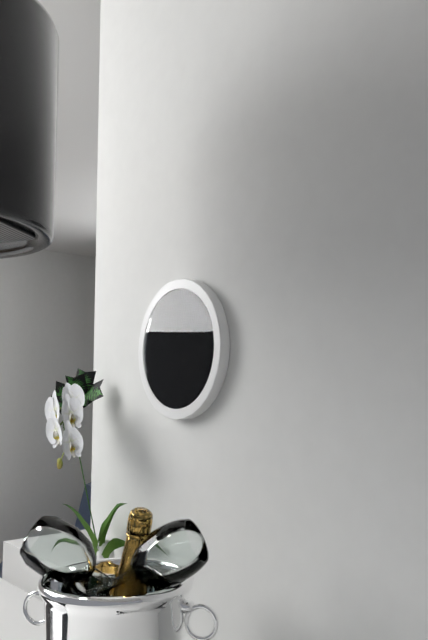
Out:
12.14
